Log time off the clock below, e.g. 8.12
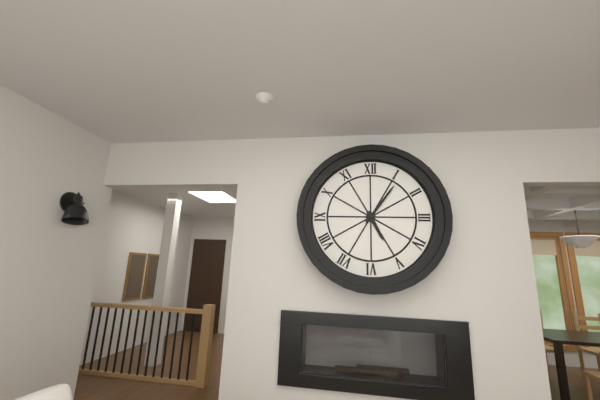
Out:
5.06
